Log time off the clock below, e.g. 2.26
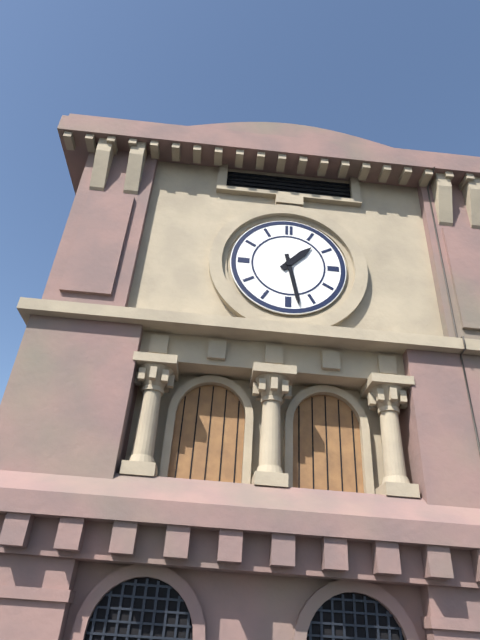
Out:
1.28
